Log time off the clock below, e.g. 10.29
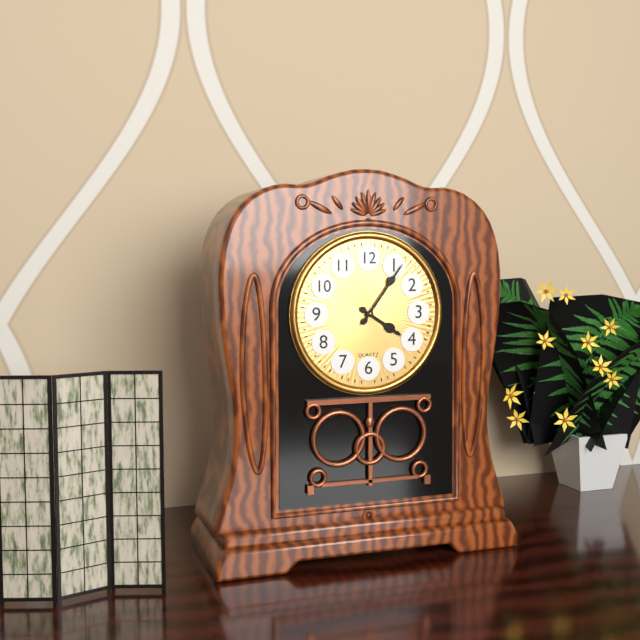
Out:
4.06
